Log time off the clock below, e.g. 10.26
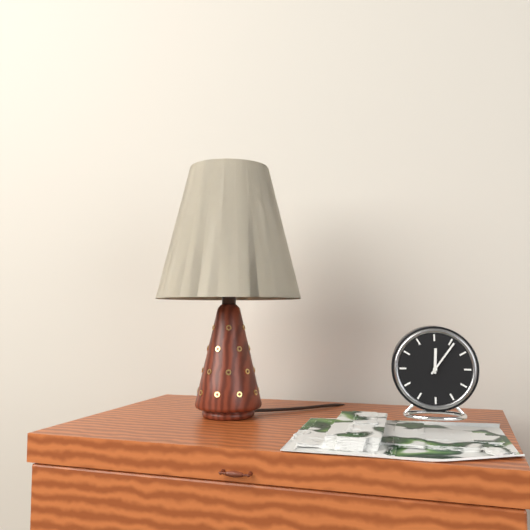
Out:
12.06
